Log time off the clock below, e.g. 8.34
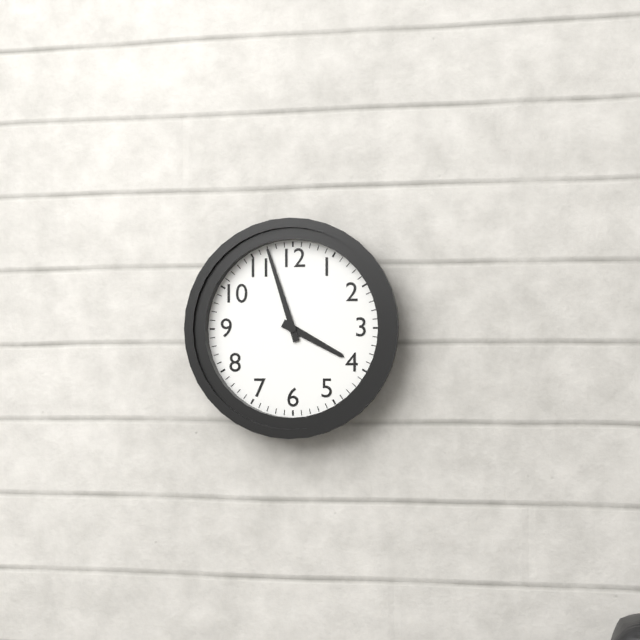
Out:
3.57
